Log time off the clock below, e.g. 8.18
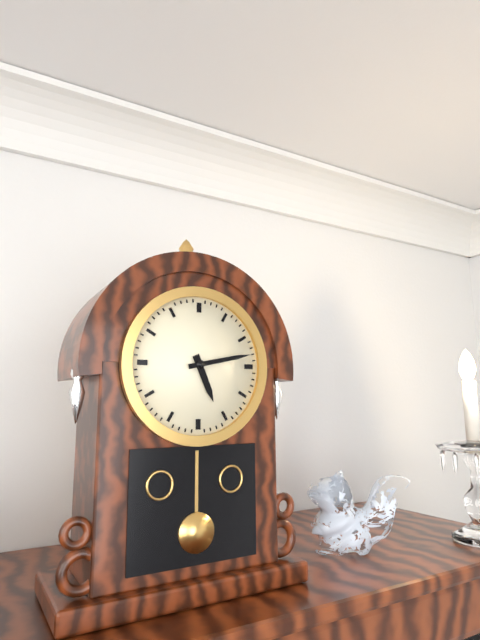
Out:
5.13
